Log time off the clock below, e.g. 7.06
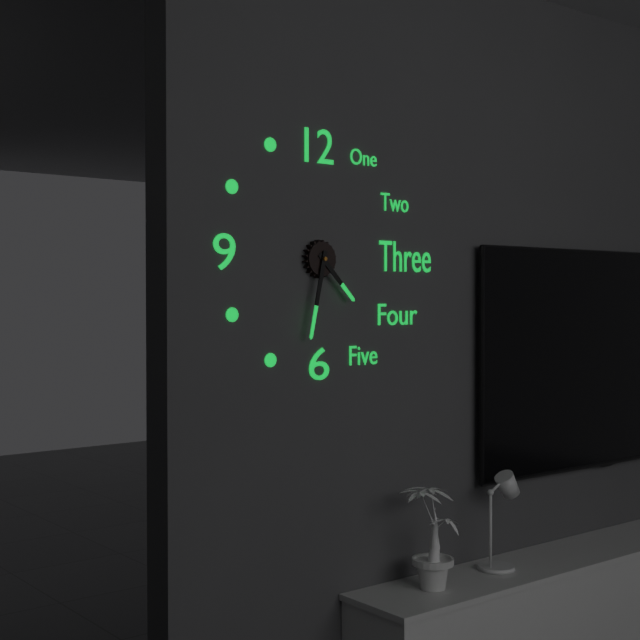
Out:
4.32
